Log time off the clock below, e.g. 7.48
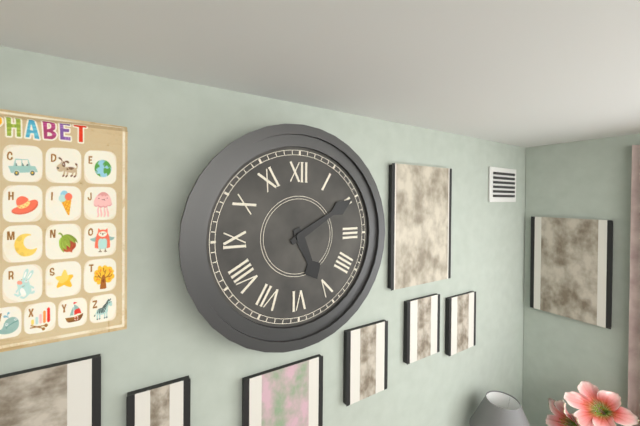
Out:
5.10
